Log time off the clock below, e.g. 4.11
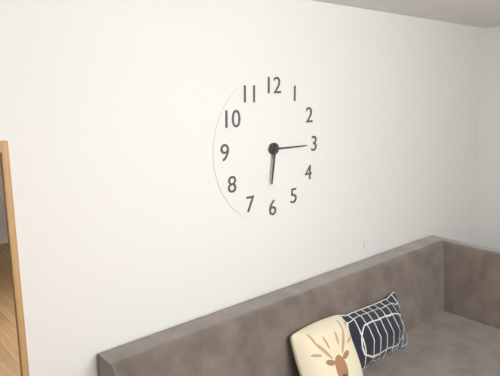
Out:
6.15
